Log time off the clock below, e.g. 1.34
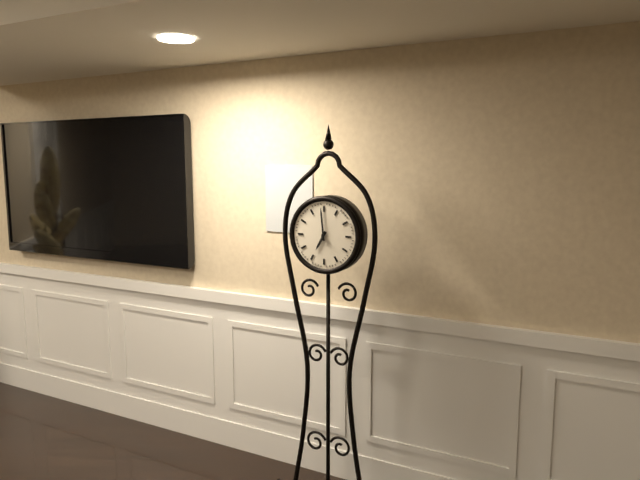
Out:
6.59
